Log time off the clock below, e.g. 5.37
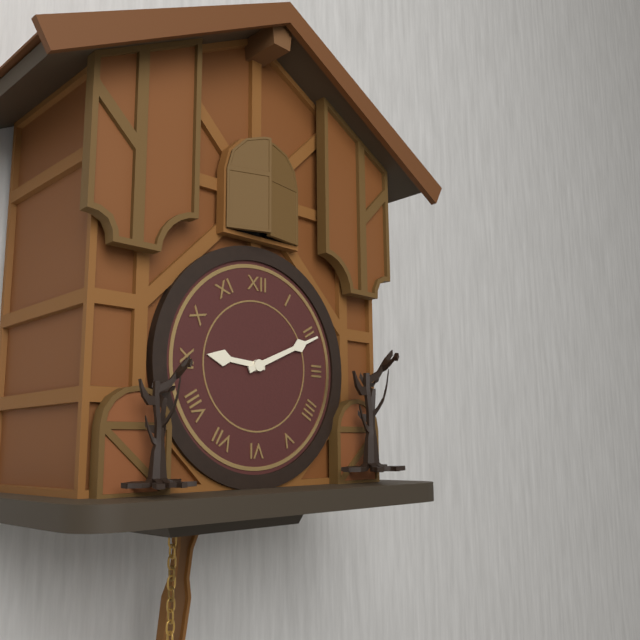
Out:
9.11
